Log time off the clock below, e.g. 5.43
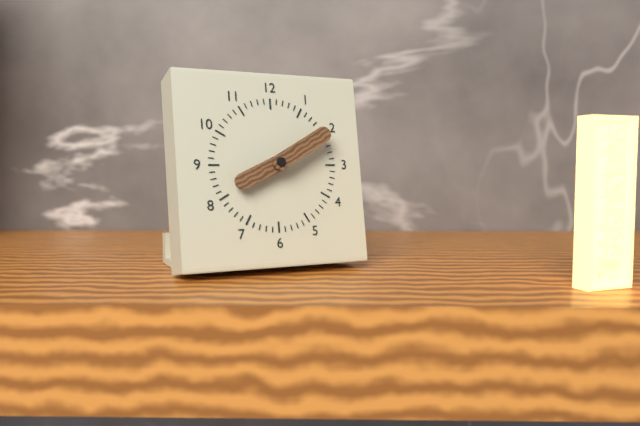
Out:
8.10
